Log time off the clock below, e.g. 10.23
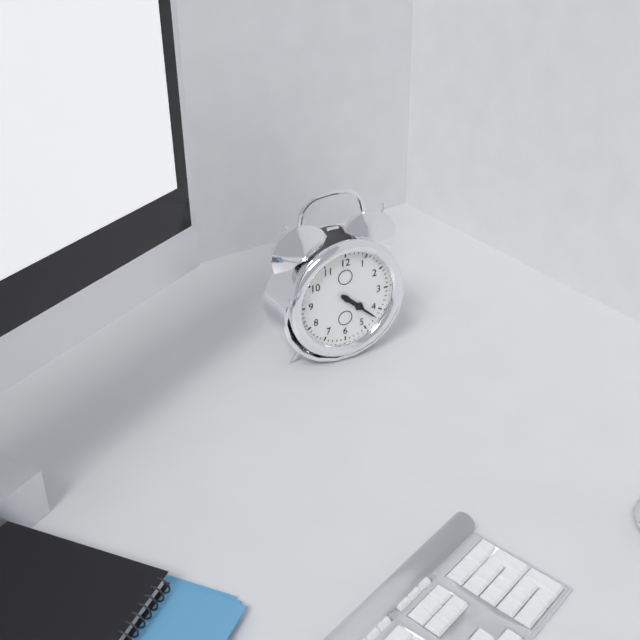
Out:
4.22
